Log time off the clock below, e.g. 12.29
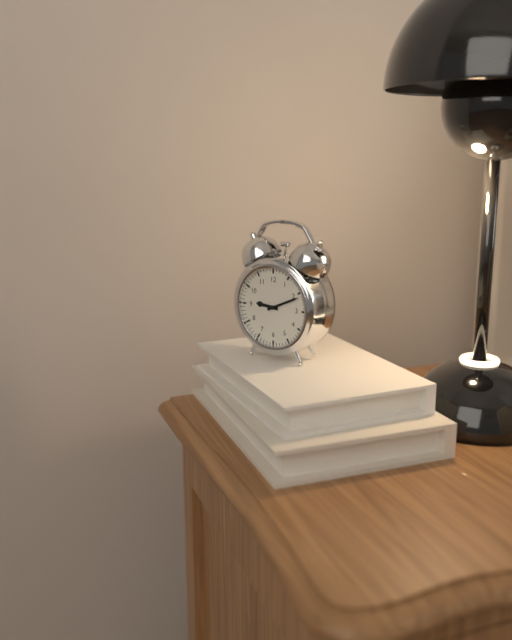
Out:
9.11
